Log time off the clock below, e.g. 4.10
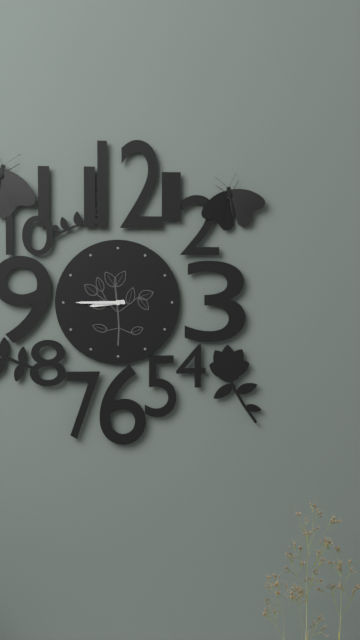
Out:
8.45
